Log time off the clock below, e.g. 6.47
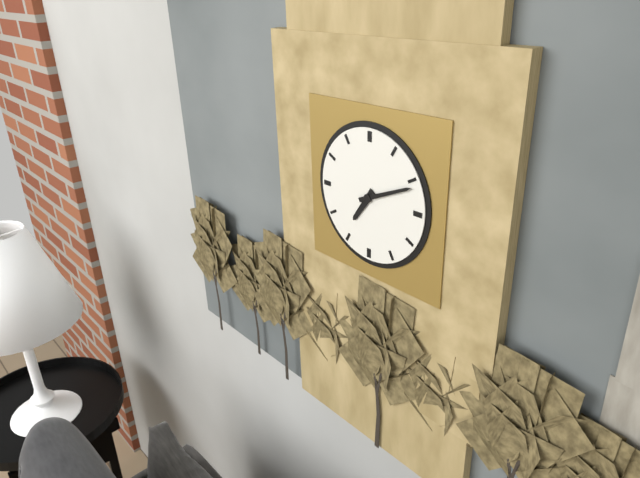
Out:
7.11
